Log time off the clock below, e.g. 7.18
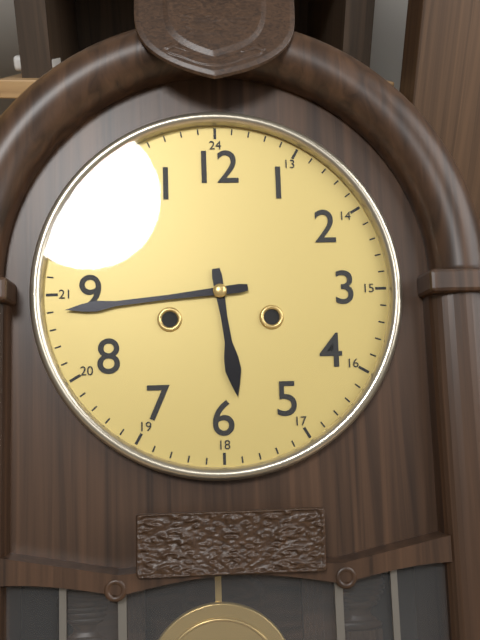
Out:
5.44
